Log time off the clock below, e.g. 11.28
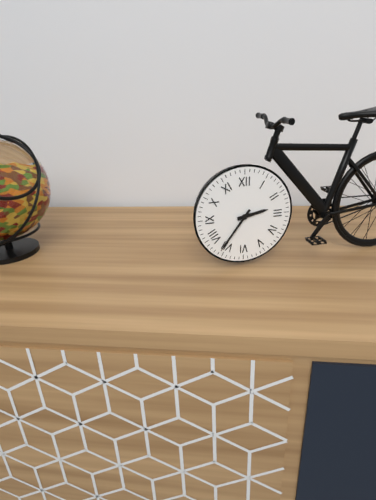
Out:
2.36
